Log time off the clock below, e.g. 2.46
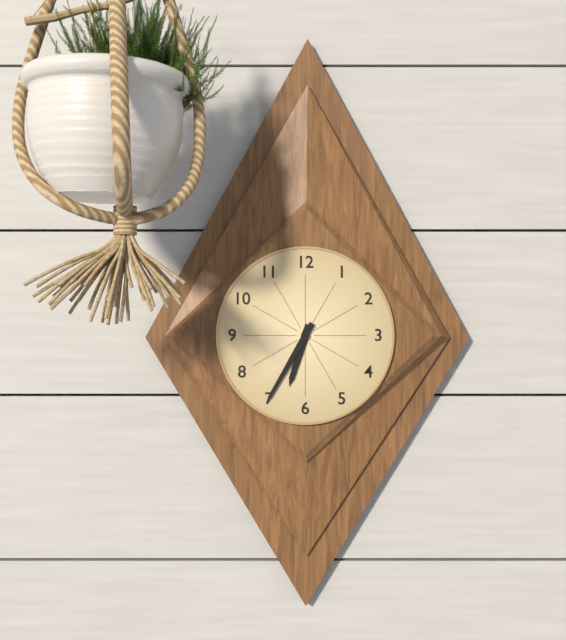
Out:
6.35
